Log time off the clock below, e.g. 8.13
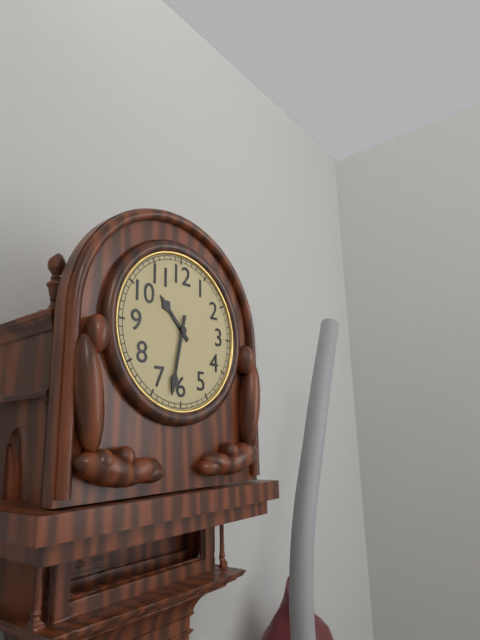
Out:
10.32
